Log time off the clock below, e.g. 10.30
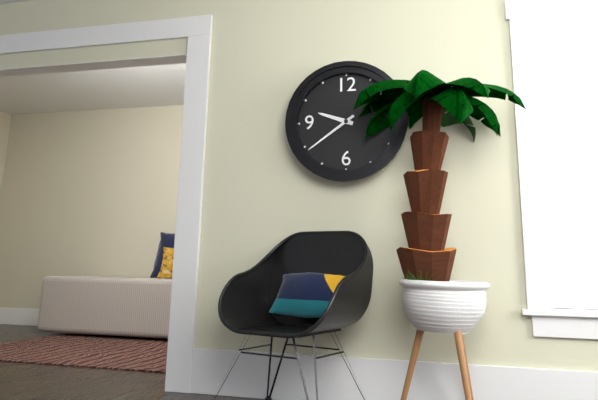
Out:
9.39
